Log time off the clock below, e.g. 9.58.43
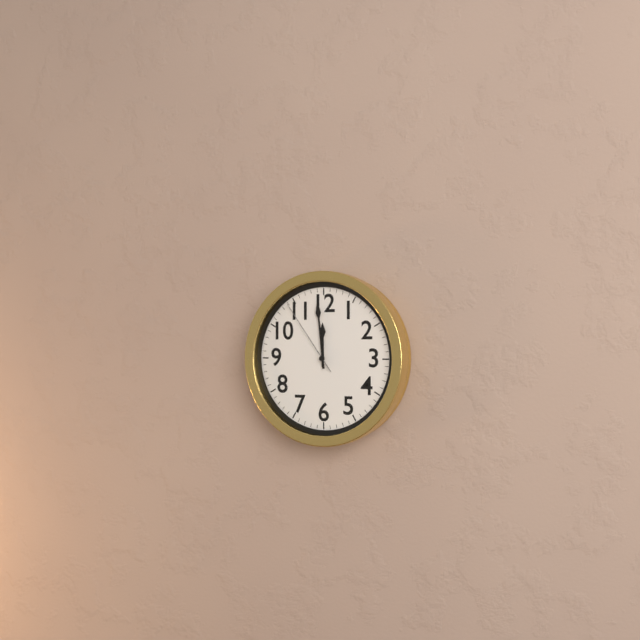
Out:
11.59.54
